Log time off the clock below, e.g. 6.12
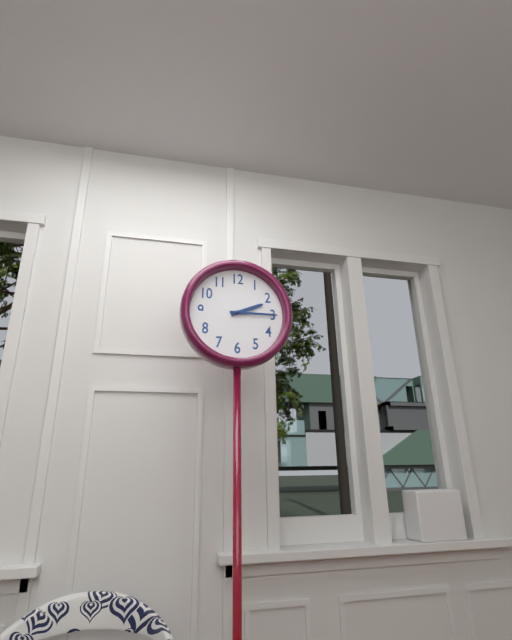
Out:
2.15
